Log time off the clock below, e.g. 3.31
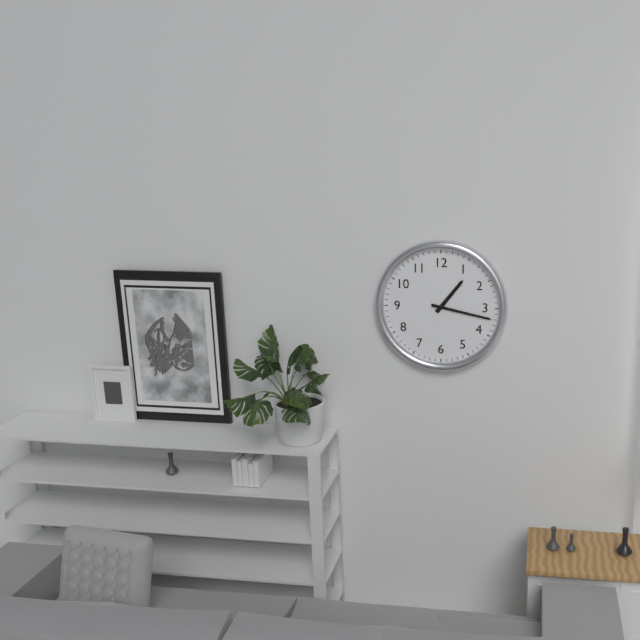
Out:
1.17
